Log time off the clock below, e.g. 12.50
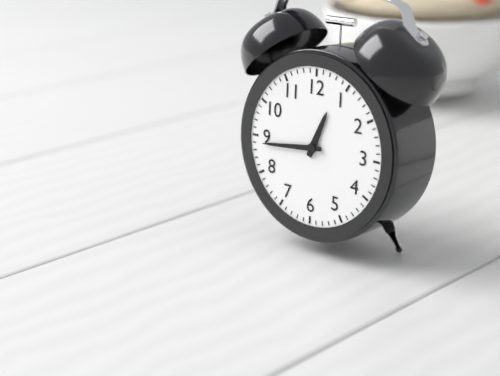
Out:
12.44
